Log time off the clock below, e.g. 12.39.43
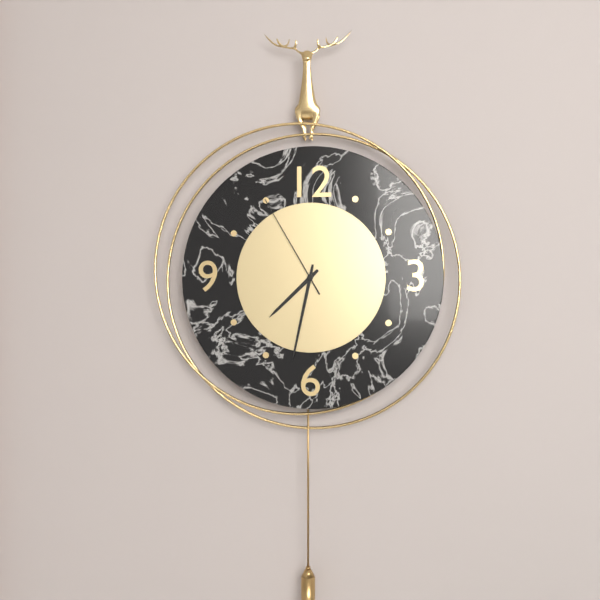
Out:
7.32.55
